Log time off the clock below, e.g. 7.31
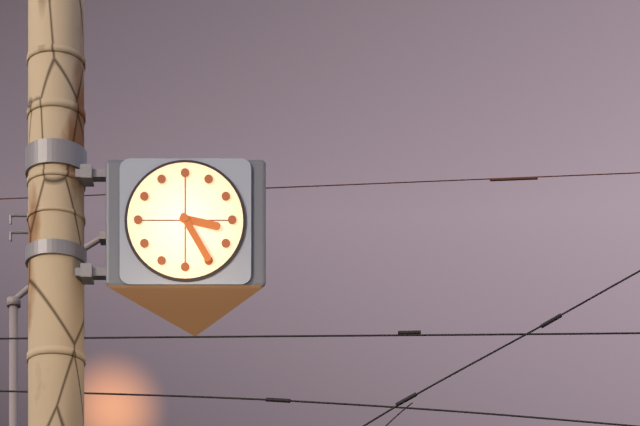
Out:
3.25
